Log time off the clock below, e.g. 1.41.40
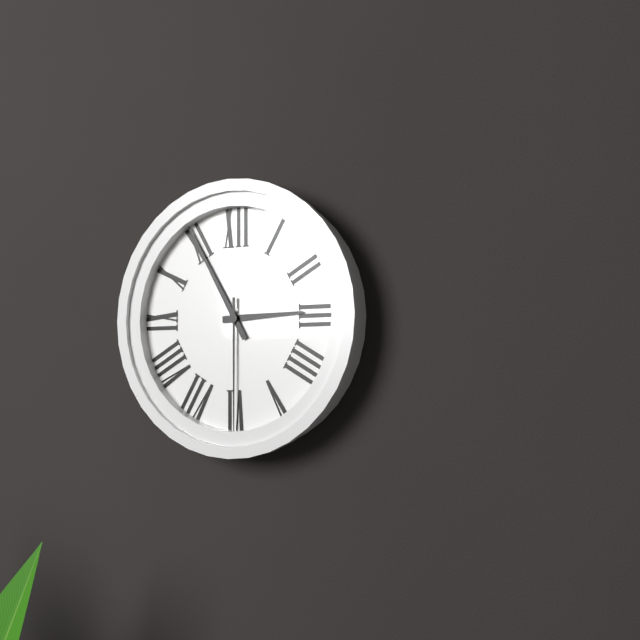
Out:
2.55.30
